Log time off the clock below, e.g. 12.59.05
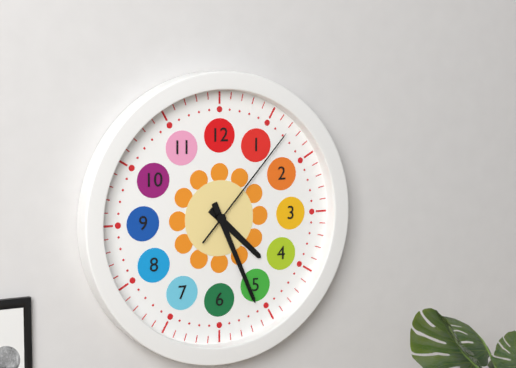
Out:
4.26.07
